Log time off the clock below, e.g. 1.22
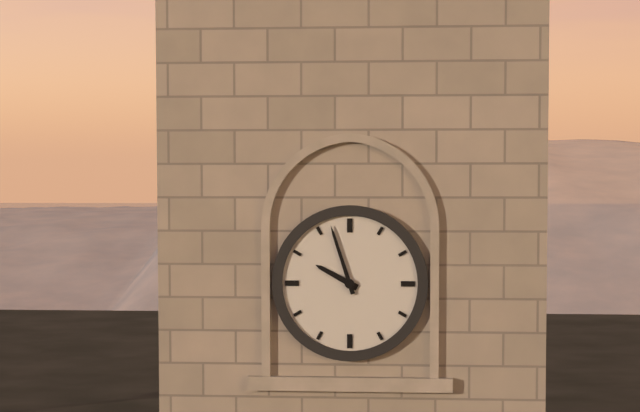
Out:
9.57
